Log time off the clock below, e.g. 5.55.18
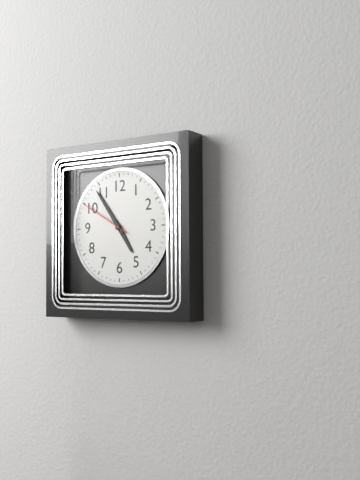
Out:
4.54.50
